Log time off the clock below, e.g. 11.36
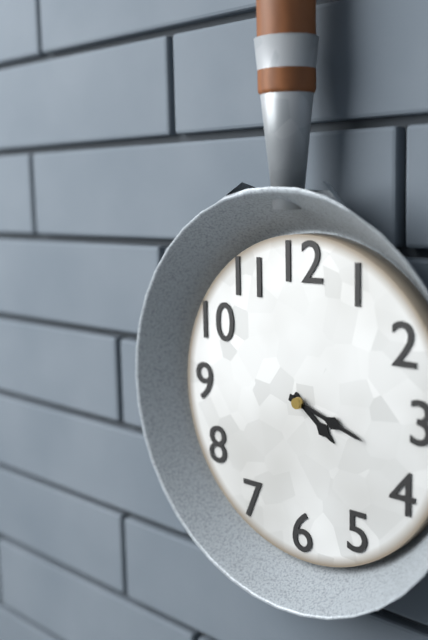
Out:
4.18
